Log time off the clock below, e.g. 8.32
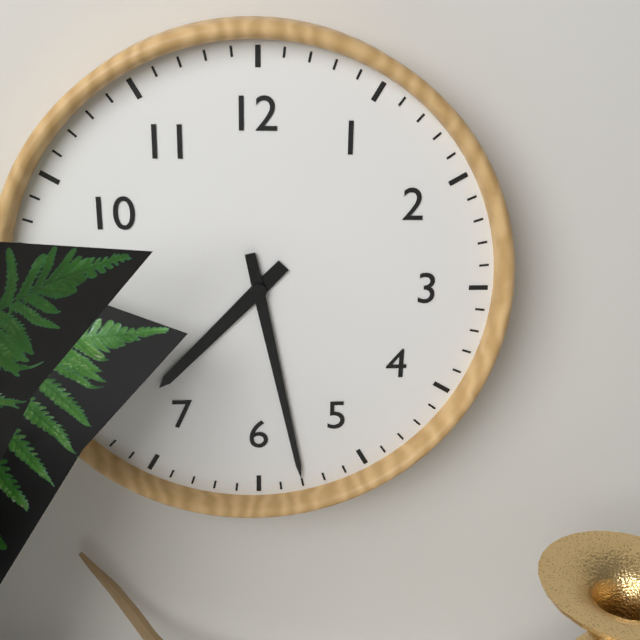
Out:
7.28
